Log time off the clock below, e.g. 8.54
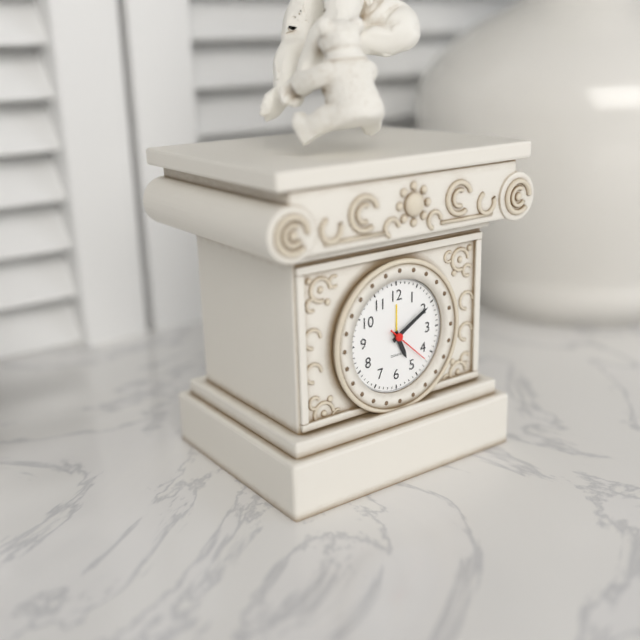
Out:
5.10
